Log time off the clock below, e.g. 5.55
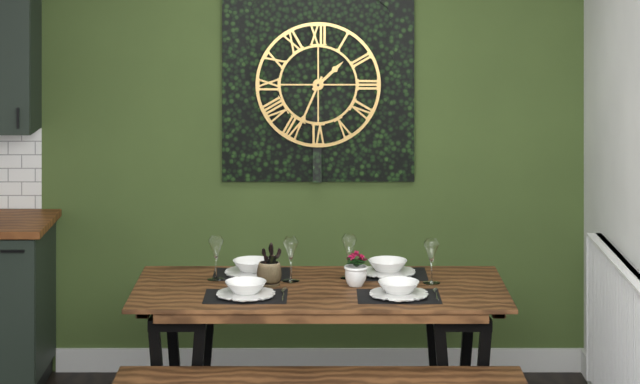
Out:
1.34
